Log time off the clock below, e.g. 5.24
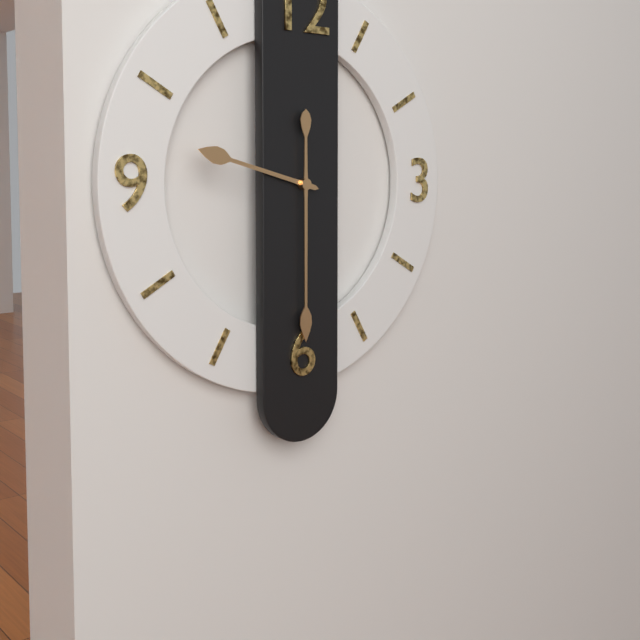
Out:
9.30
